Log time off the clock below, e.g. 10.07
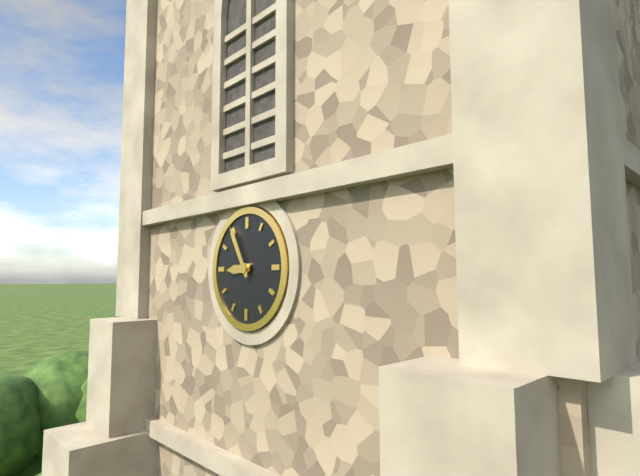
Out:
8.55
